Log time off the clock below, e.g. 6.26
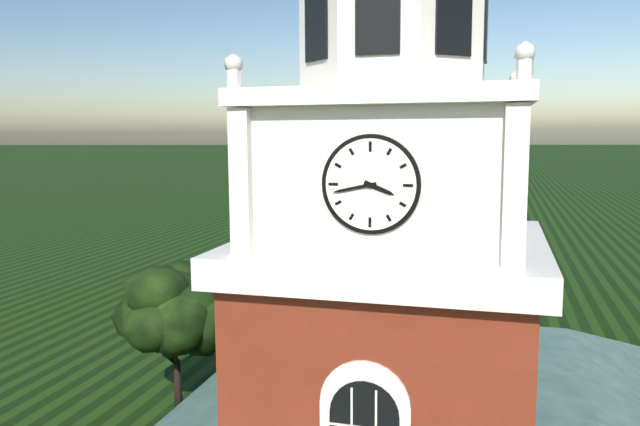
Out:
3.43
